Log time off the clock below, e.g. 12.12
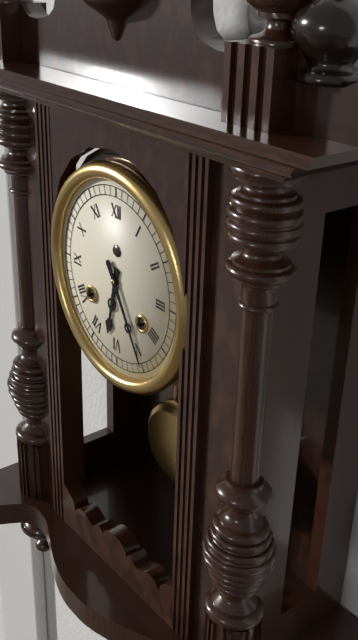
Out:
6.25
